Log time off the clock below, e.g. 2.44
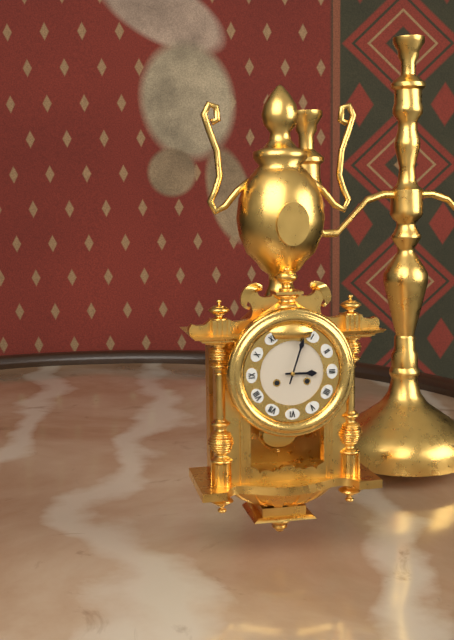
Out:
3.03
